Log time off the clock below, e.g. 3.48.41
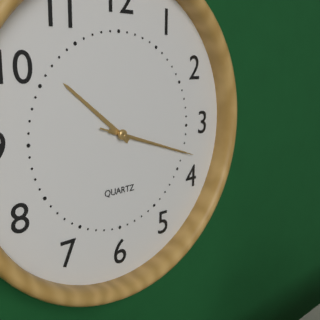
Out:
10.18.18
